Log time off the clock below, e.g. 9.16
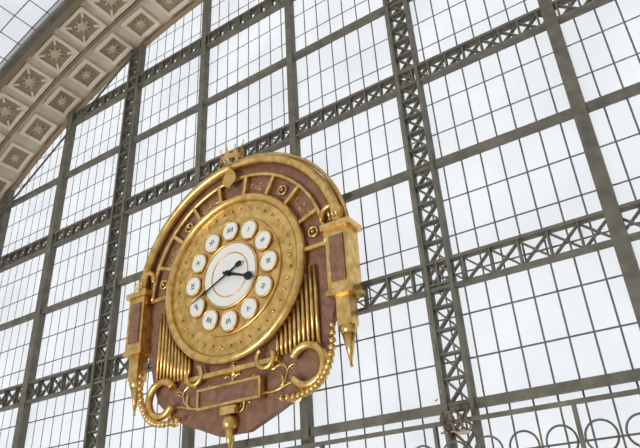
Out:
3.41
